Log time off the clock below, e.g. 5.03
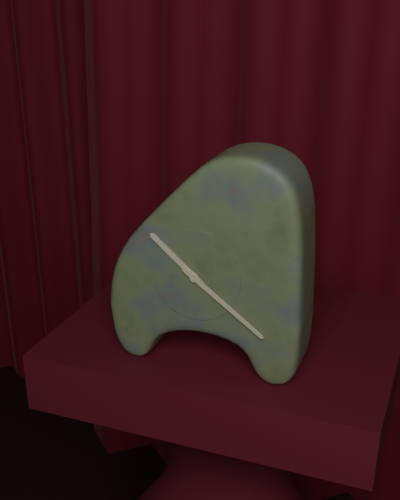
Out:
10.21
